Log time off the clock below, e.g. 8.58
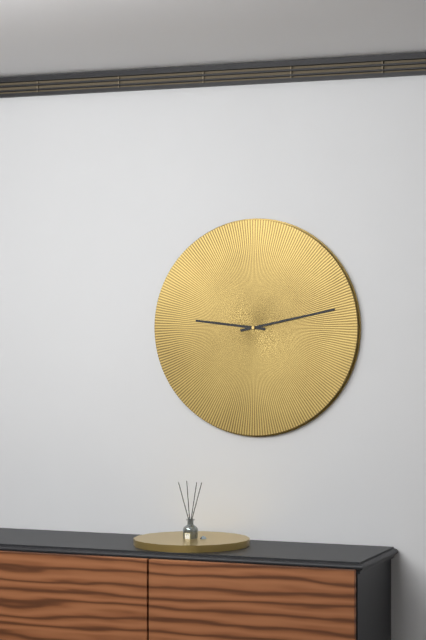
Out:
9.13
